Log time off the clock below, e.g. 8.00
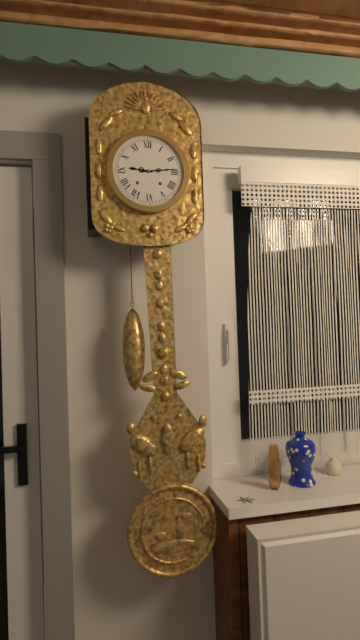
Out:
9.14
